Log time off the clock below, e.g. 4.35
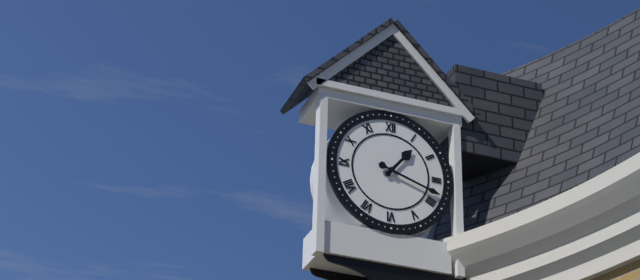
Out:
1.18
